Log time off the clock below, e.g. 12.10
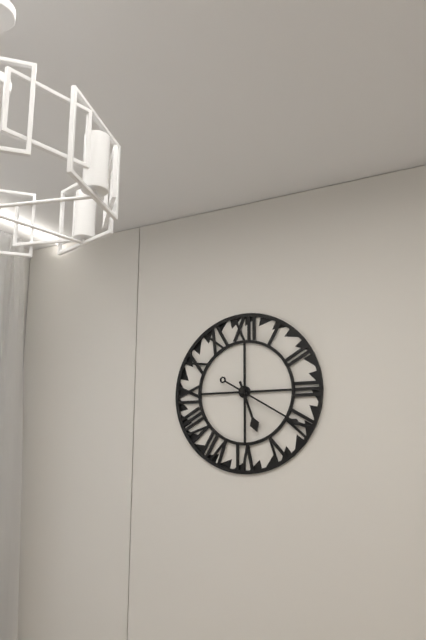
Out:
5.20
